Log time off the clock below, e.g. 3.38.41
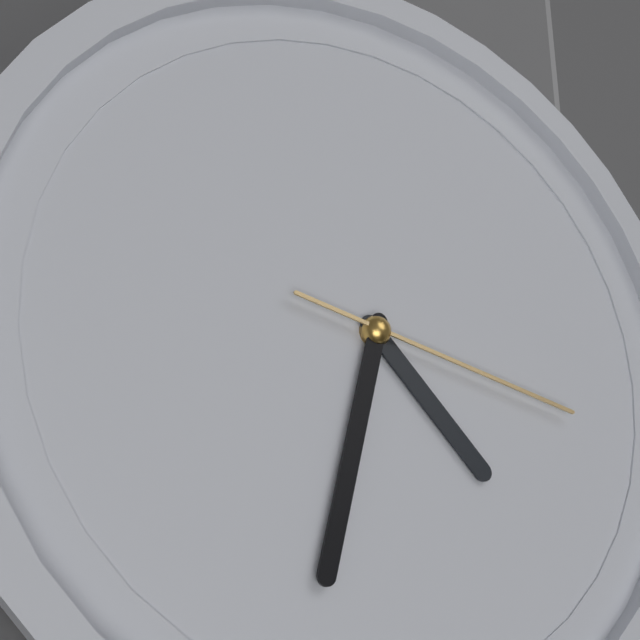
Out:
4.32.17
